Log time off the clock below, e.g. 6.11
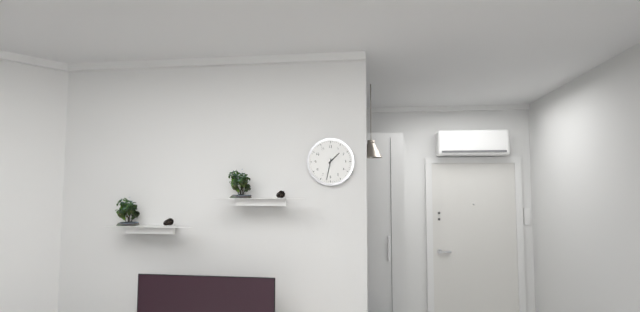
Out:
1.32
